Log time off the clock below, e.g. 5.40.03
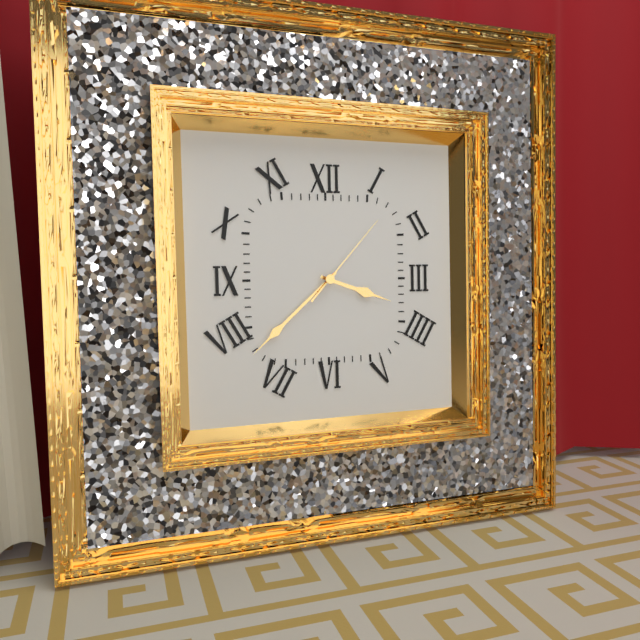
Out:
3.38.07
